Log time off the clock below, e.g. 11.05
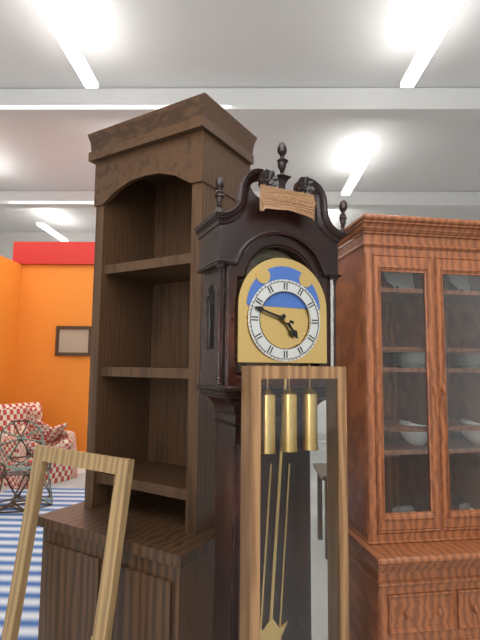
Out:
4.48
